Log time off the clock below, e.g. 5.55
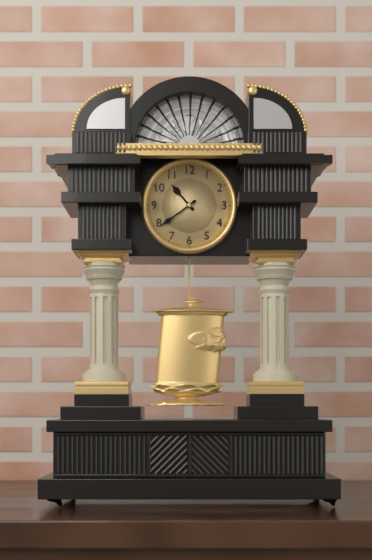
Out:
10.39
